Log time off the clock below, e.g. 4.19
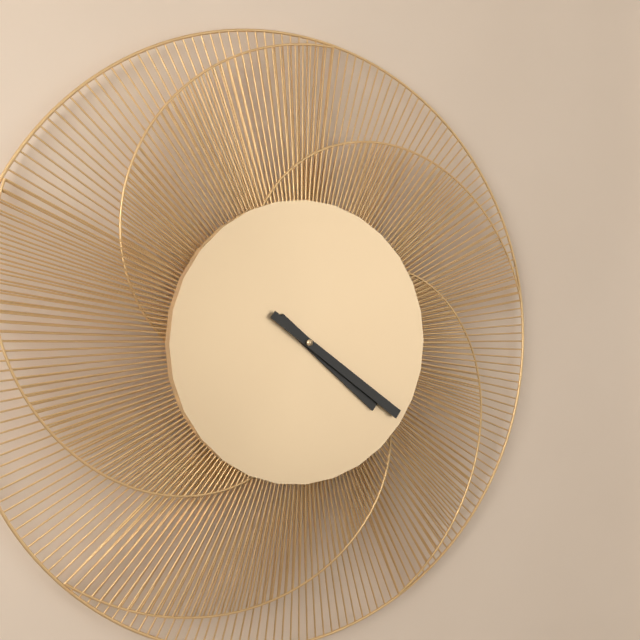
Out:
4.21
